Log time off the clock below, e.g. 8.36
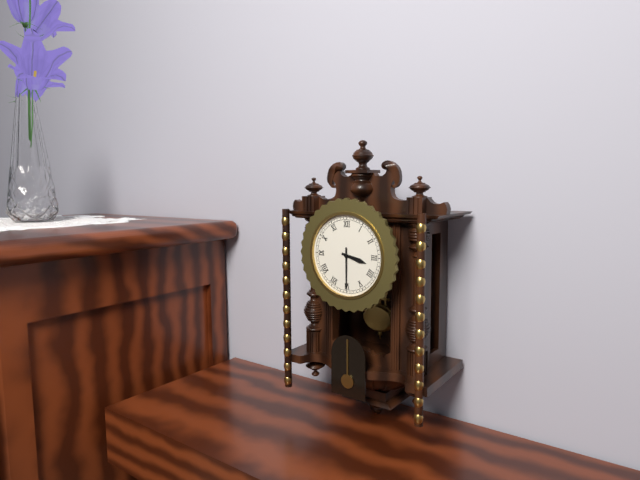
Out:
3.30
